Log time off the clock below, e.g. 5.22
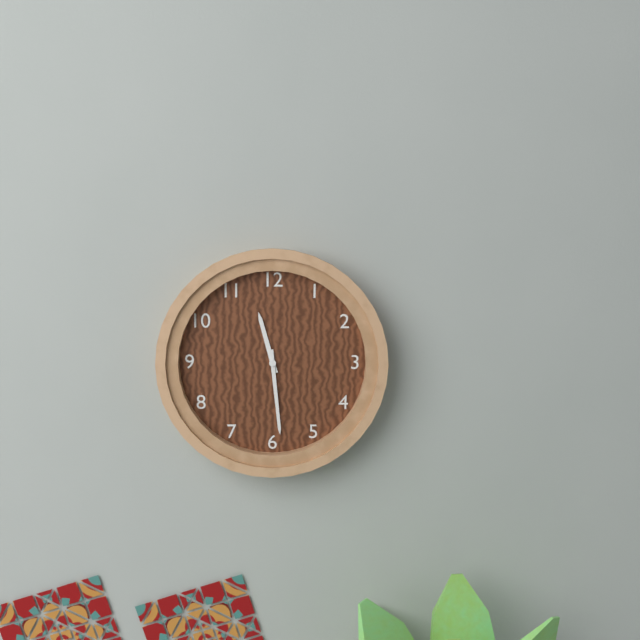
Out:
11.29
